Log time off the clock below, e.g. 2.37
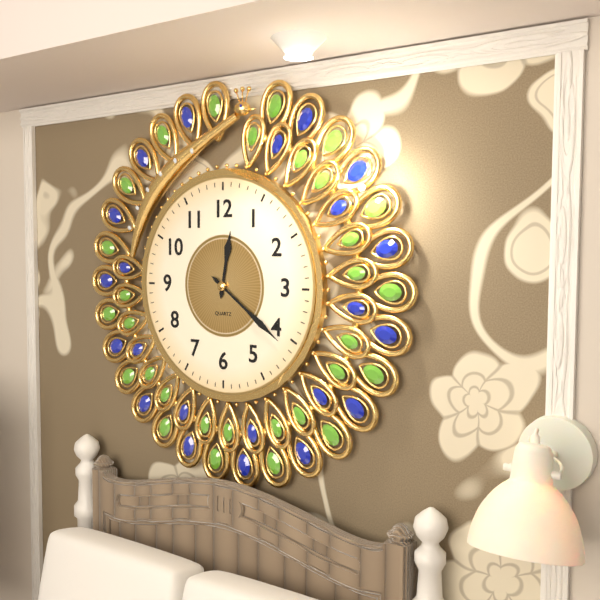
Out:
12.21
